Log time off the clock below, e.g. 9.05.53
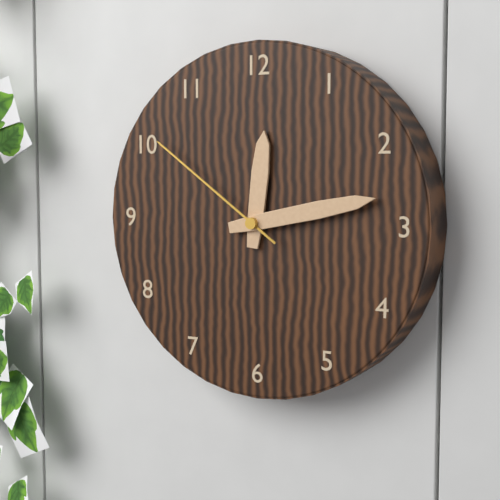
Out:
12.13.51
